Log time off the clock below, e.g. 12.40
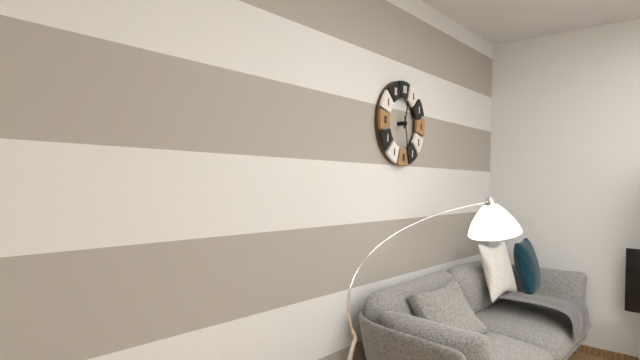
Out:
12.28
